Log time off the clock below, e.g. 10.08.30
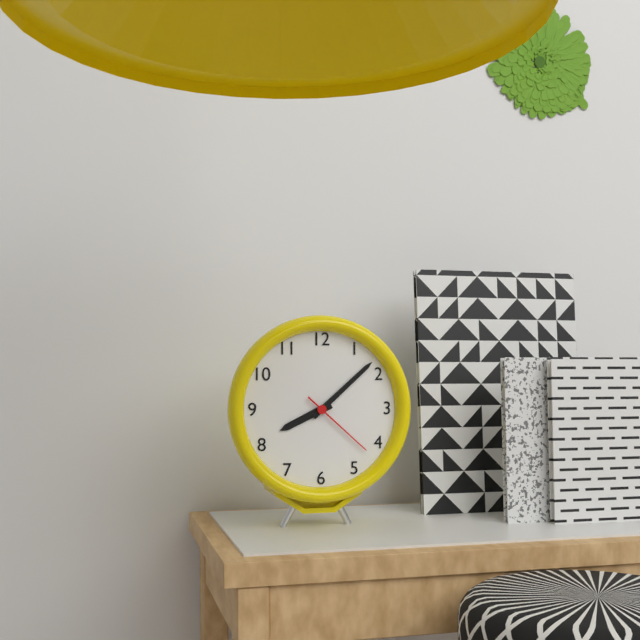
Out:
8.08.22
